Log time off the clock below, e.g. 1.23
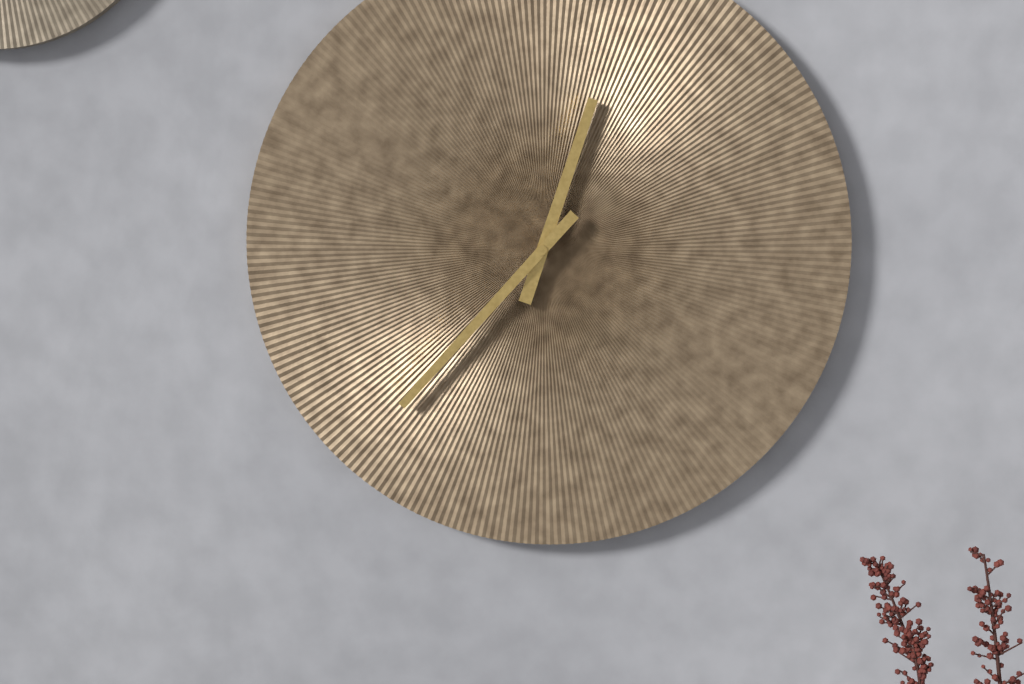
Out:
12.37
